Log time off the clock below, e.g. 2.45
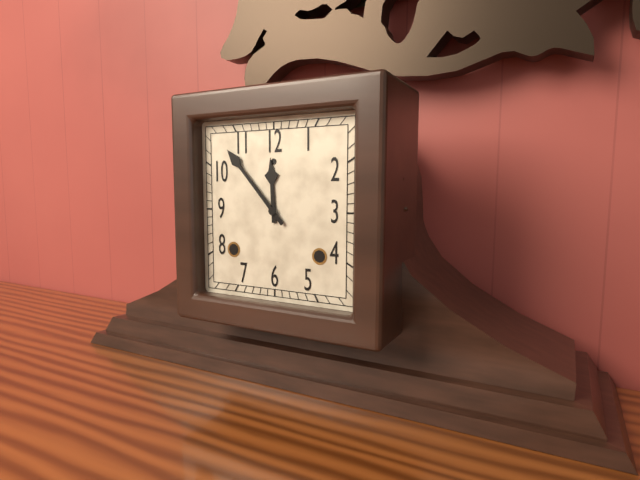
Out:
11.53
